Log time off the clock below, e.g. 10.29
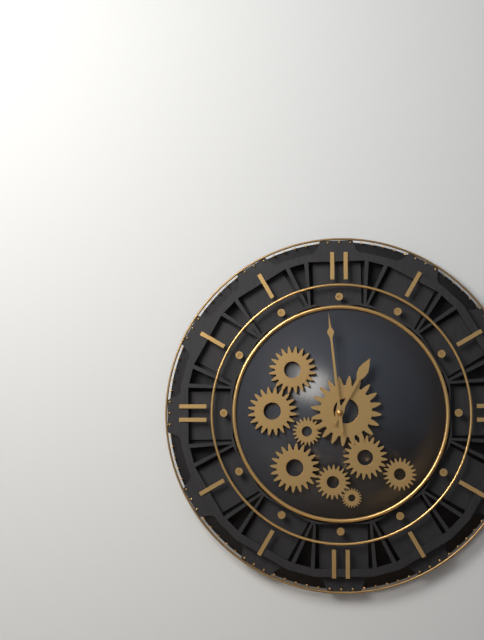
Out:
12.59
